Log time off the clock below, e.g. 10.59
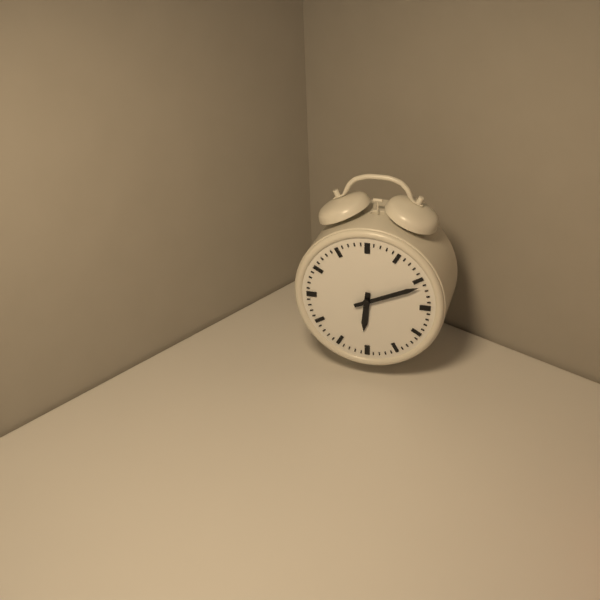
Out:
6.11
